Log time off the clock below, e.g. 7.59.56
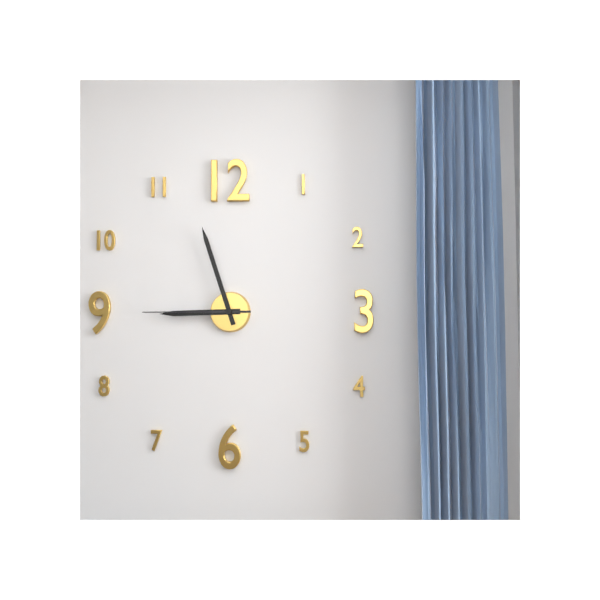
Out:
8.57.45
